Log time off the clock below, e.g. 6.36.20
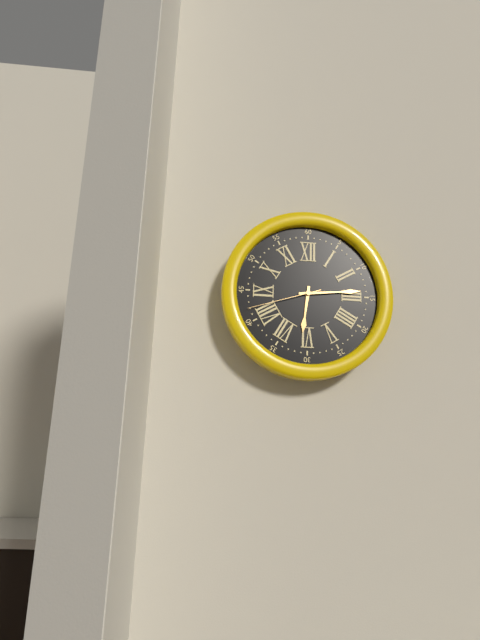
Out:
6.14.42
